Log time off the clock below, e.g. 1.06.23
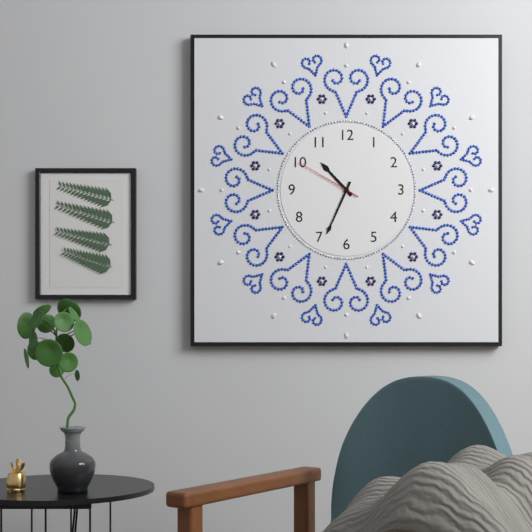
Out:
10.34.50
